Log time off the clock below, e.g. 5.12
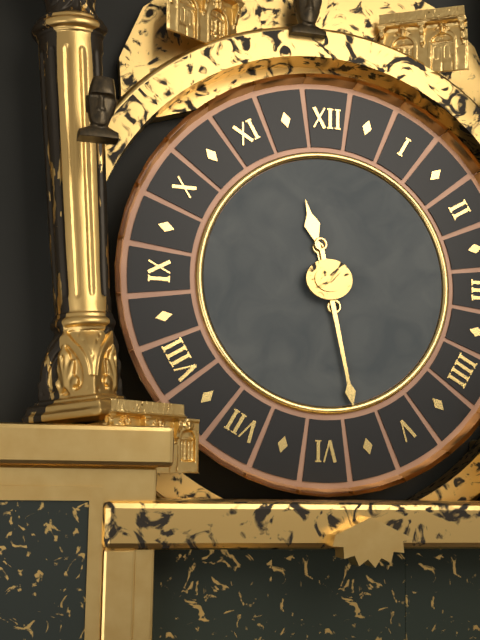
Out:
11.28
